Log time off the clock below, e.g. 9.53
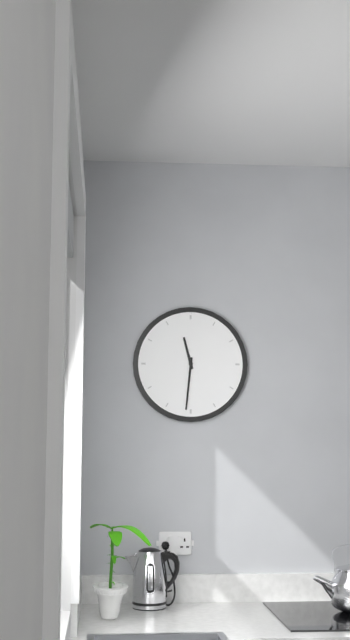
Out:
11.31
